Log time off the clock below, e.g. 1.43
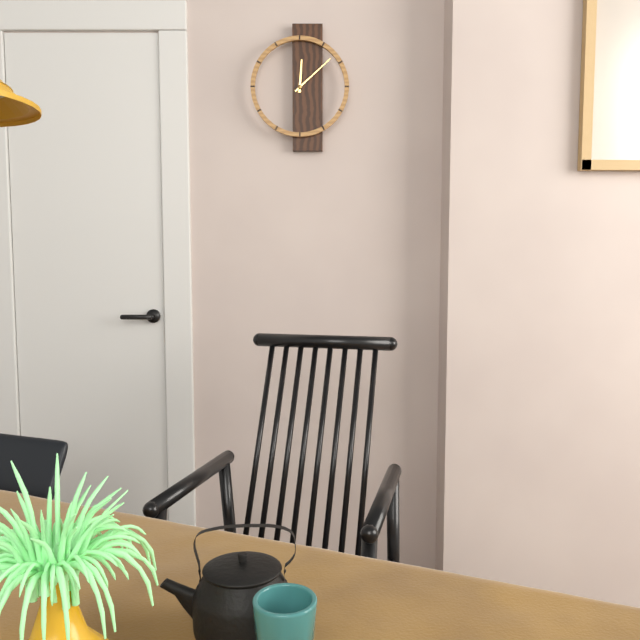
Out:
12.08
